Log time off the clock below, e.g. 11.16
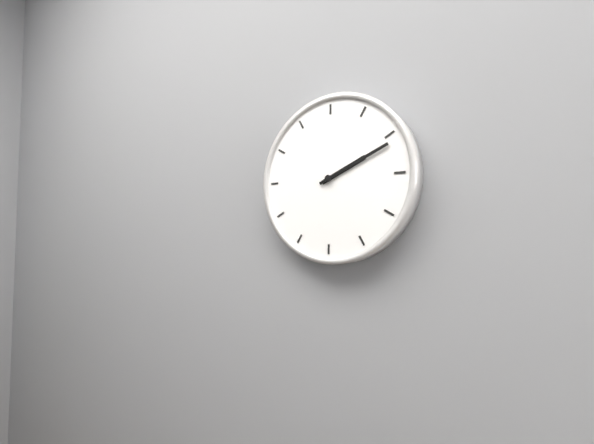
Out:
2.11
